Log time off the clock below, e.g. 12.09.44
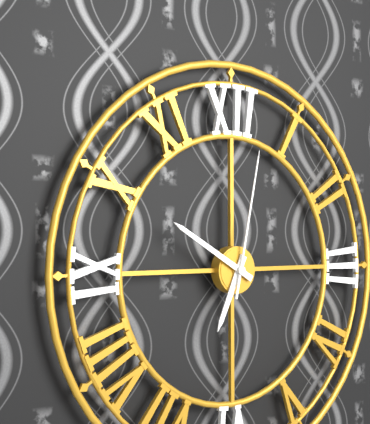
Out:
6.50.02
